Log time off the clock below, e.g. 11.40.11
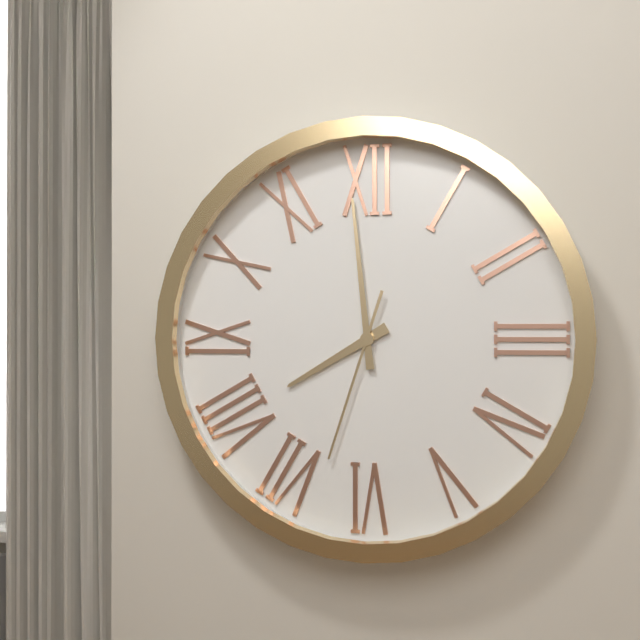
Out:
7.59.33
